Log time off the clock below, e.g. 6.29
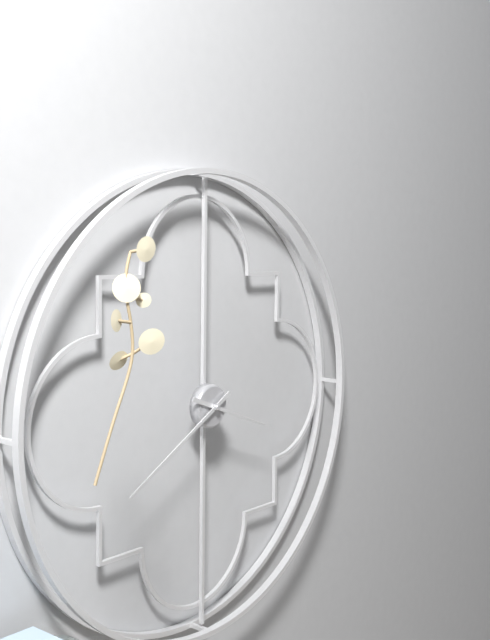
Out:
3.40
